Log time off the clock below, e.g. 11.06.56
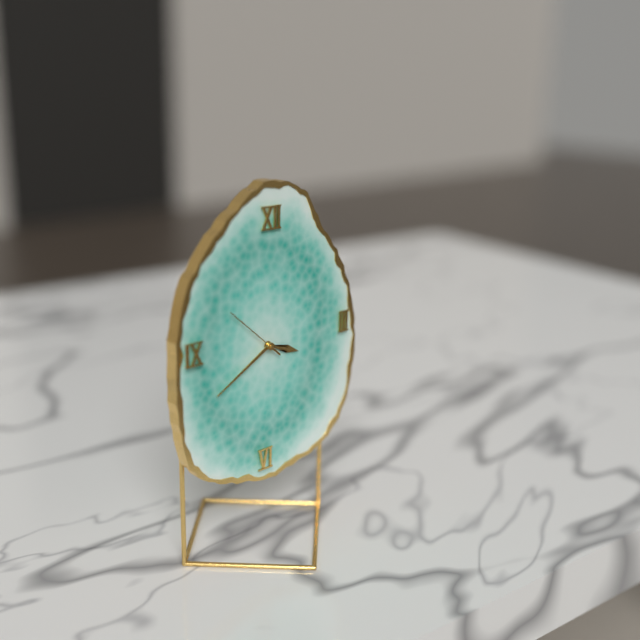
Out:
3.40.52
